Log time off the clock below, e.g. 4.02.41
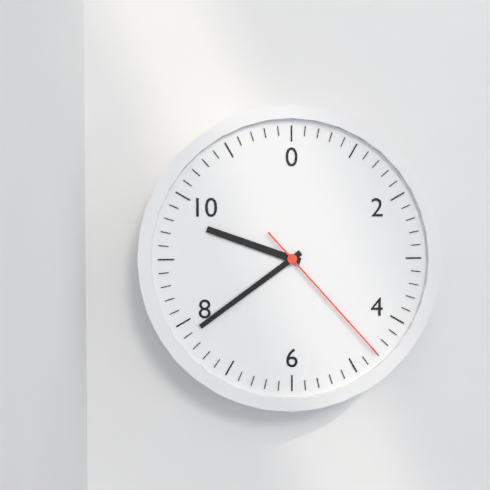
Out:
9.39.23
